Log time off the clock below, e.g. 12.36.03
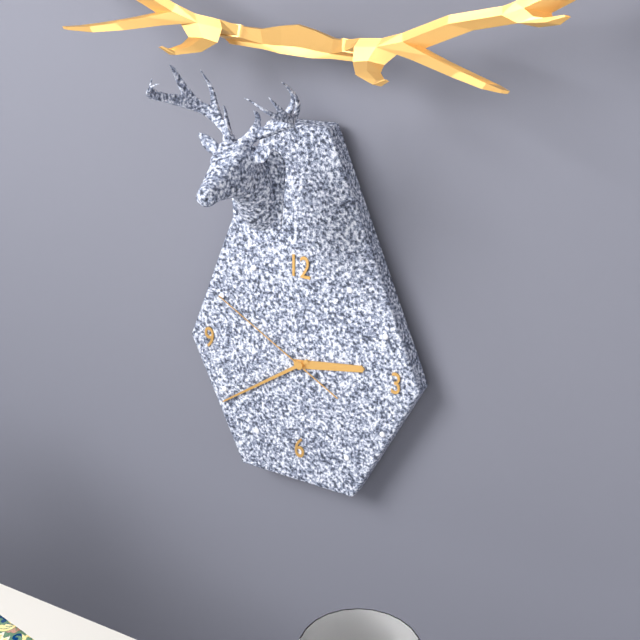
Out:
2.39.50
